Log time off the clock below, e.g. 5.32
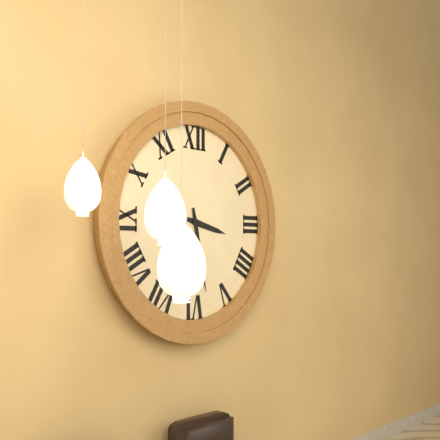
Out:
3.28
